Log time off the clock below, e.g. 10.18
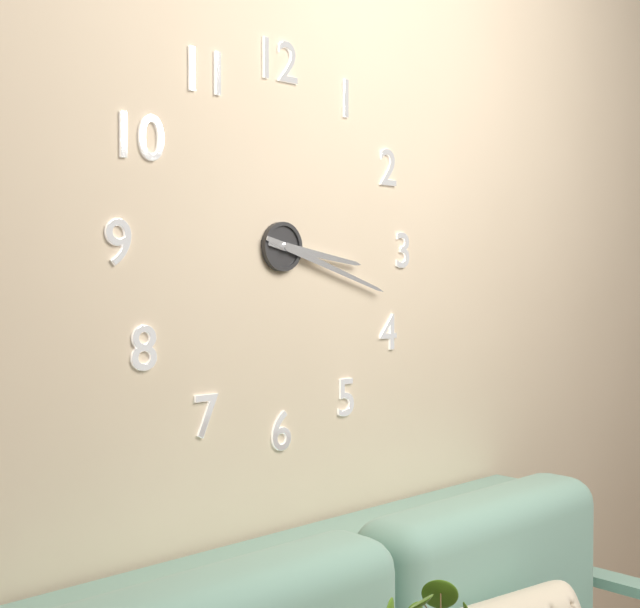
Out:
3.18
